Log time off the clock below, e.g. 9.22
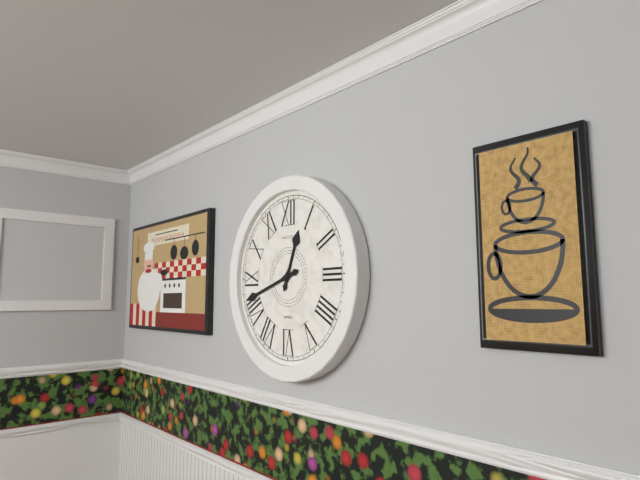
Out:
12.42
